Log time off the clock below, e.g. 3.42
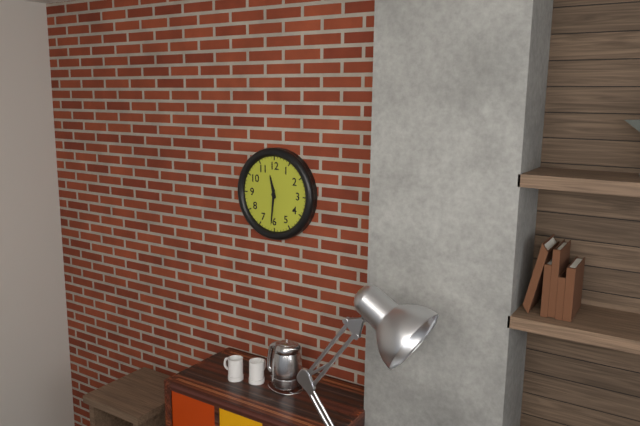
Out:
11.31
